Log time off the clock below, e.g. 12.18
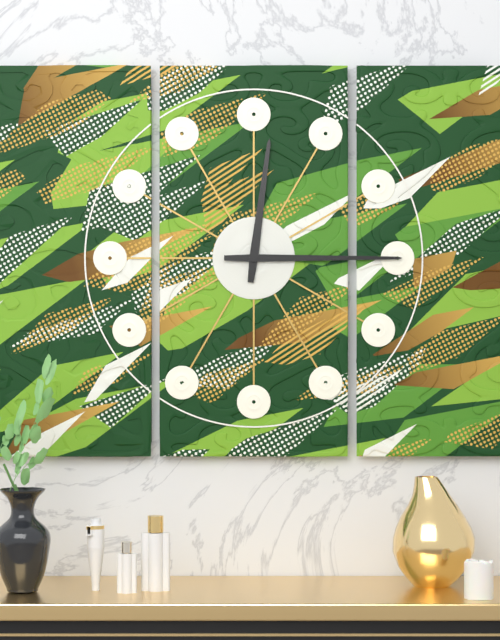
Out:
12.15
